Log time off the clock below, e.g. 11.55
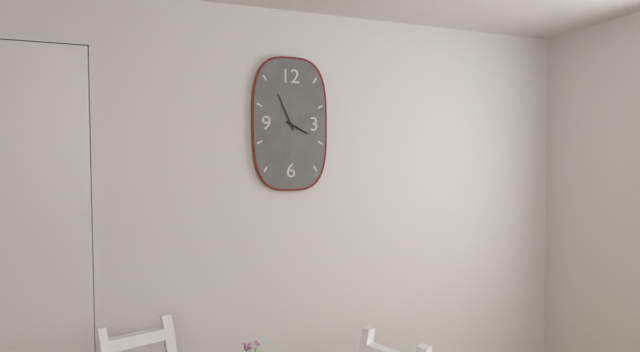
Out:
3.56
